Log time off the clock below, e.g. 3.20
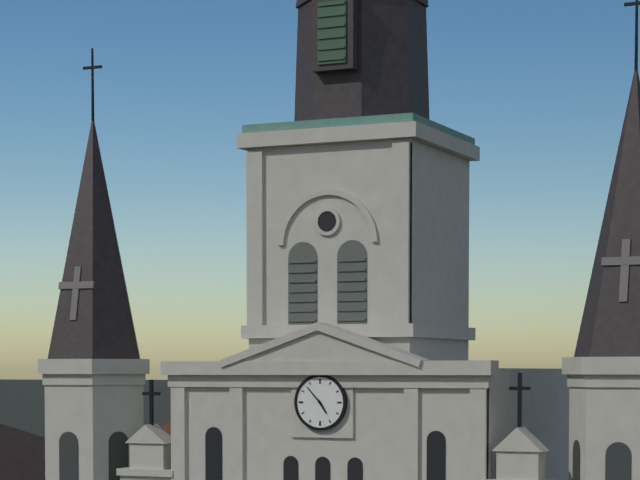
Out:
4.53
